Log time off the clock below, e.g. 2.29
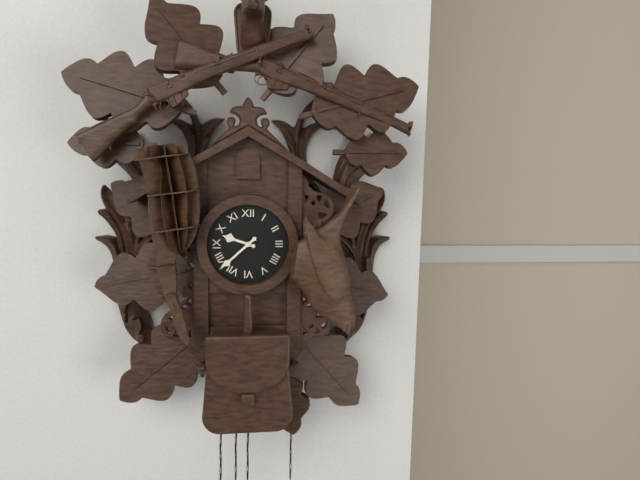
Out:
9.38
